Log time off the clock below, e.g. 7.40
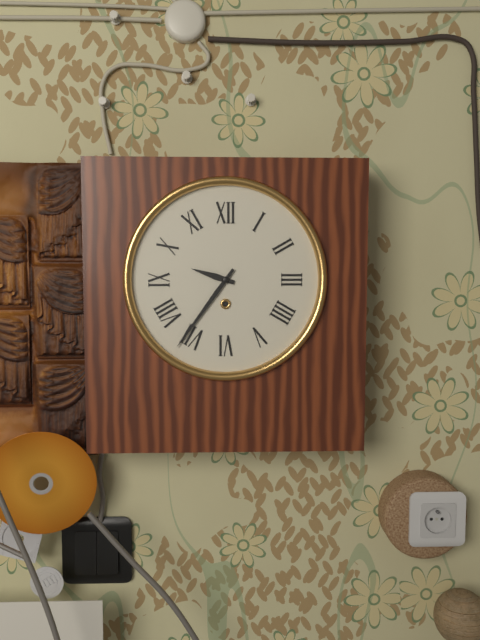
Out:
9.36
